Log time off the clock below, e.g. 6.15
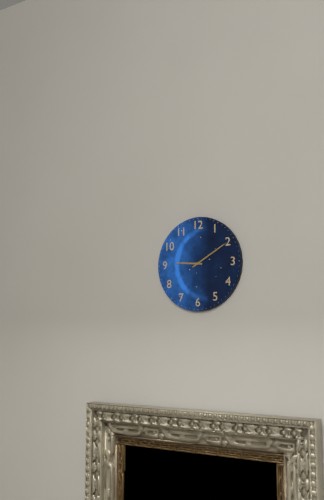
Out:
9.10
